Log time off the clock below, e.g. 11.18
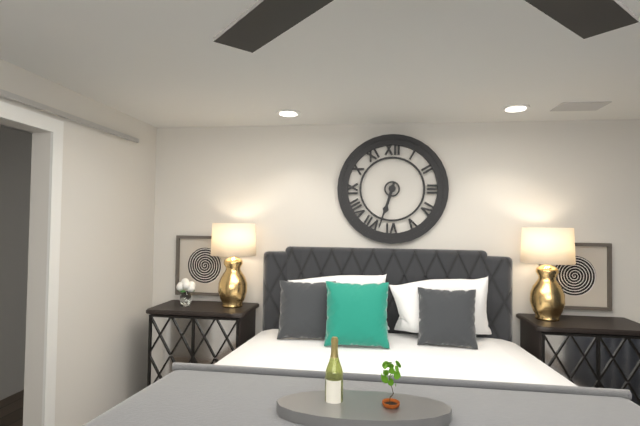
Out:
6.33
